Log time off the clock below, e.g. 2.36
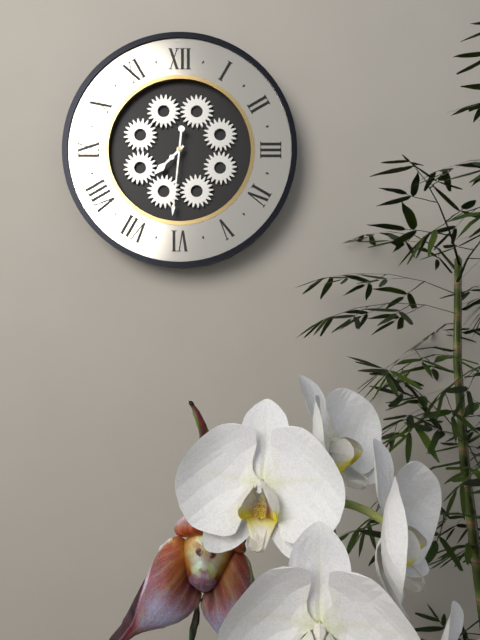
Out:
7.31
